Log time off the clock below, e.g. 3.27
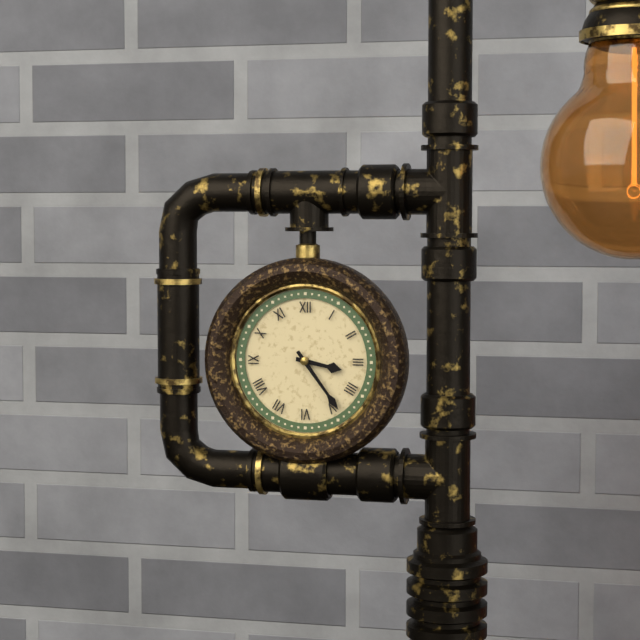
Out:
3.24
